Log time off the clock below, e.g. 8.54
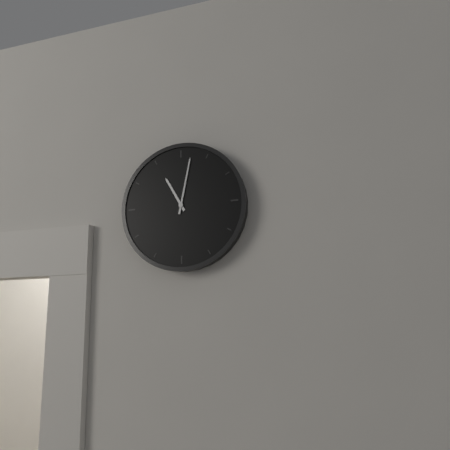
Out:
11.02
